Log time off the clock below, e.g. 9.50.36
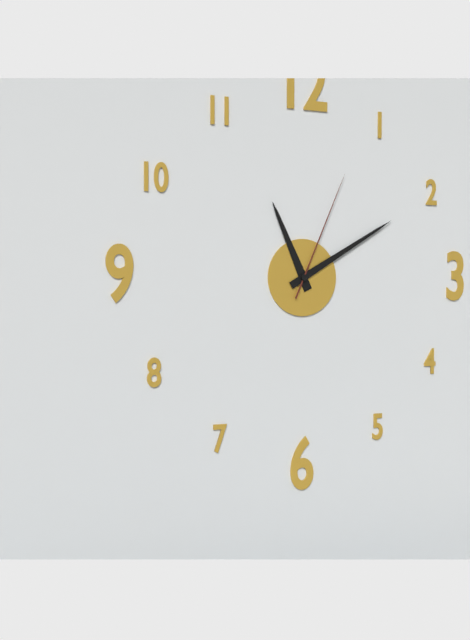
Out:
11.10.04
